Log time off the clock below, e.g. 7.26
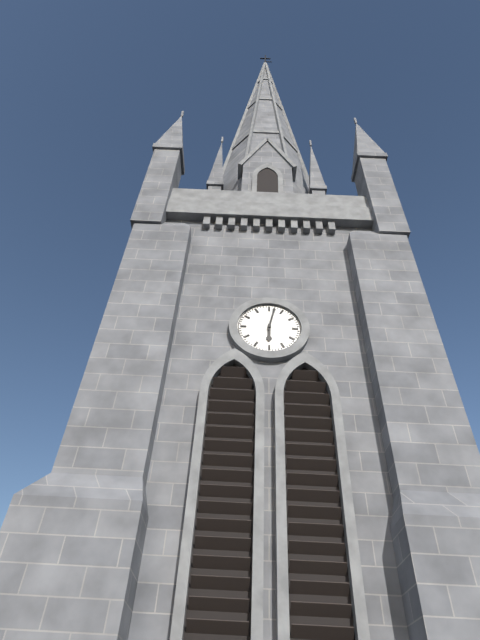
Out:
6.02
